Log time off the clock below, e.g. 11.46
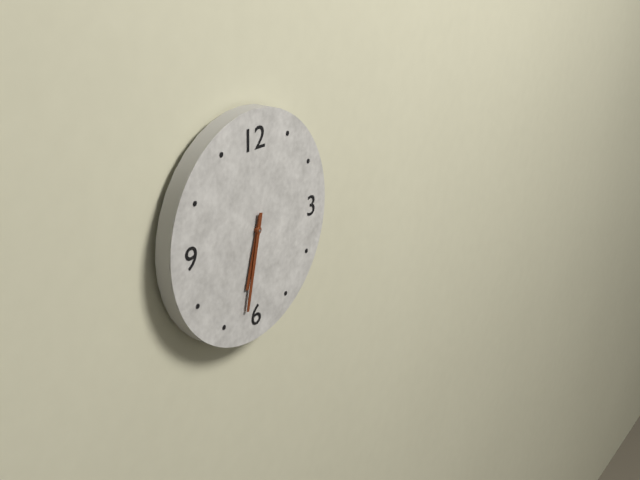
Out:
6.32
